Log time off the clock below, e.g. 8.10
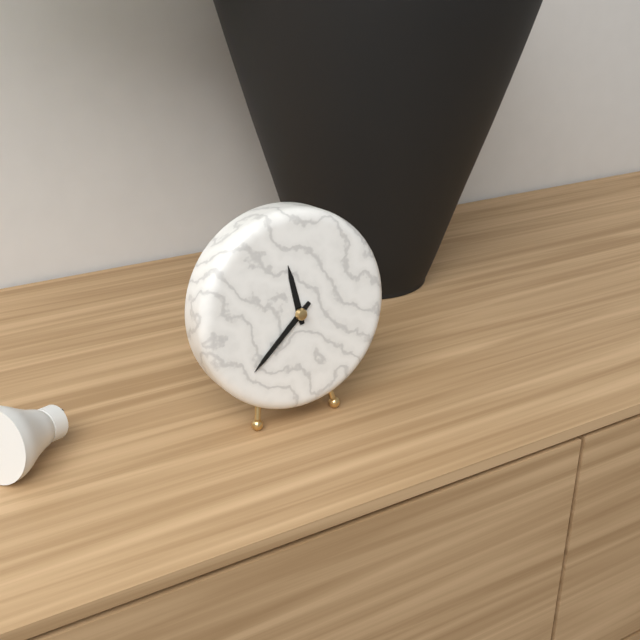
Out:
11.38
